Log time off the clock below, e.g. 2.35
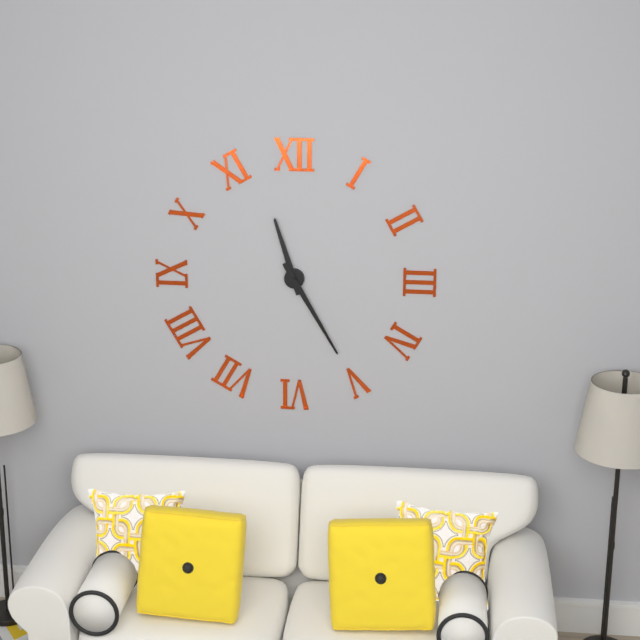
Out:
11.25
